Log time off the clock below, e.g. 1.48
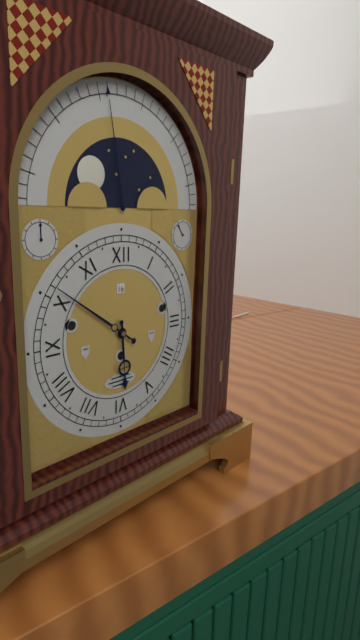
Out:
5.51
